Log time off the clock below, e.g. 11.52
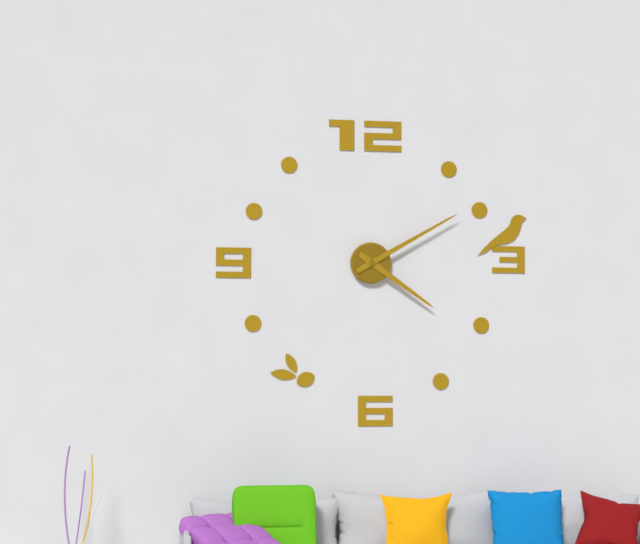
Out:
4.10
